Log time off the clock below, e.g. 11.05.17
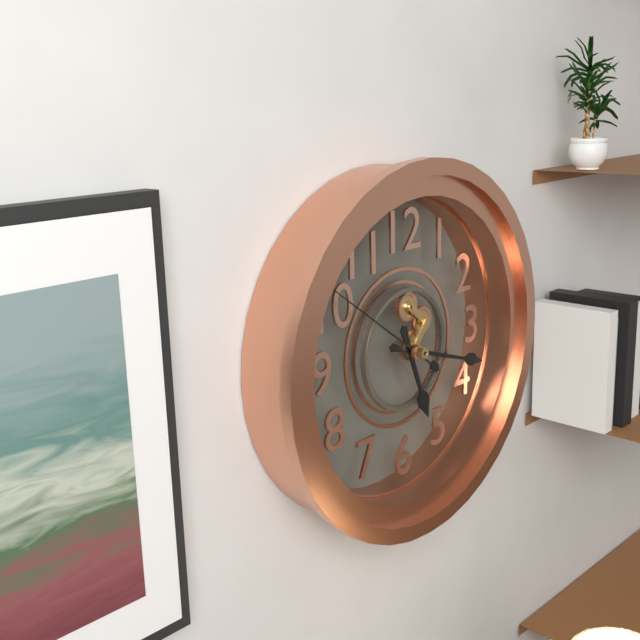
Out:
5.18.51
